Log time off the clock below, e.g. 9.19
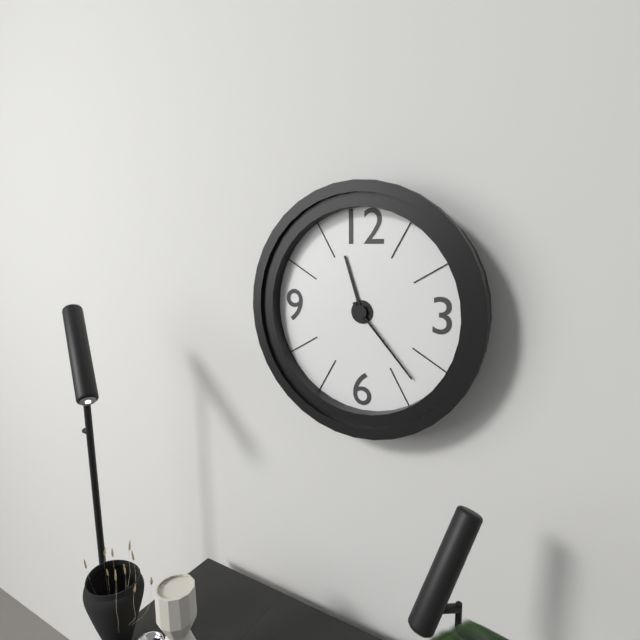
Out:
11.23
